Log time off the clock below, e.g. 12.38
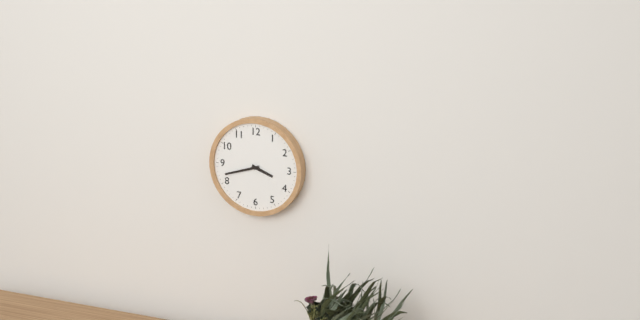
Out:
3.42
